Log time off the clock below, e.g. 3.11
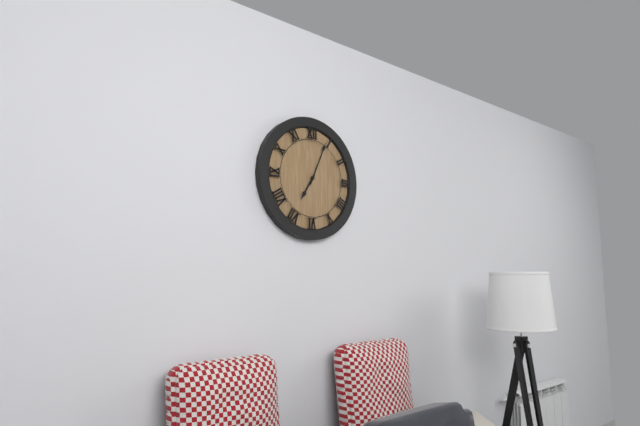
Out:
7.04
